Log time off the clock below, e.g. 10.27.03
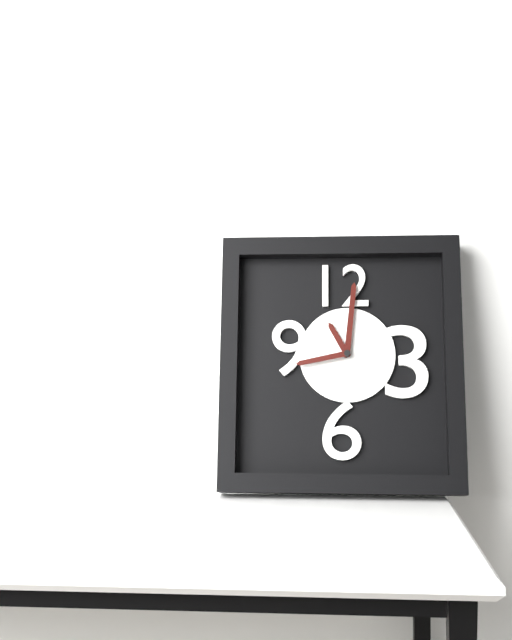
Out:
11.01.43
